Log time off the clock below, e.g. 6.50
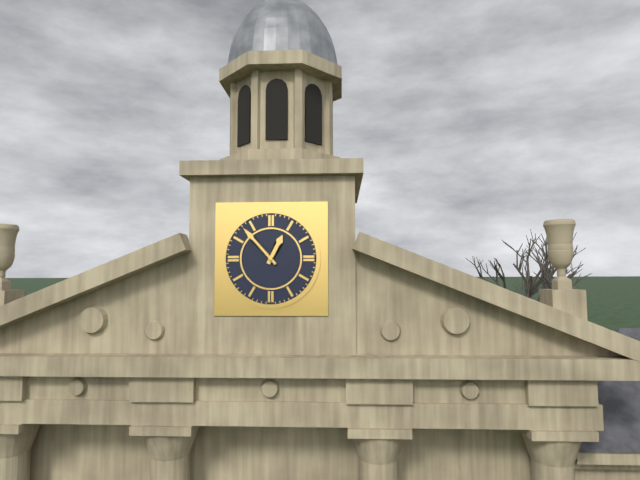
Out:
12.53
